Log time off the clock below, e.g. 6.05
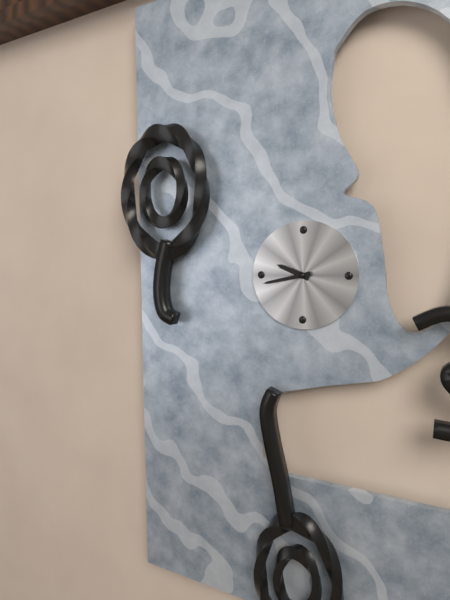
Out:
9.43
